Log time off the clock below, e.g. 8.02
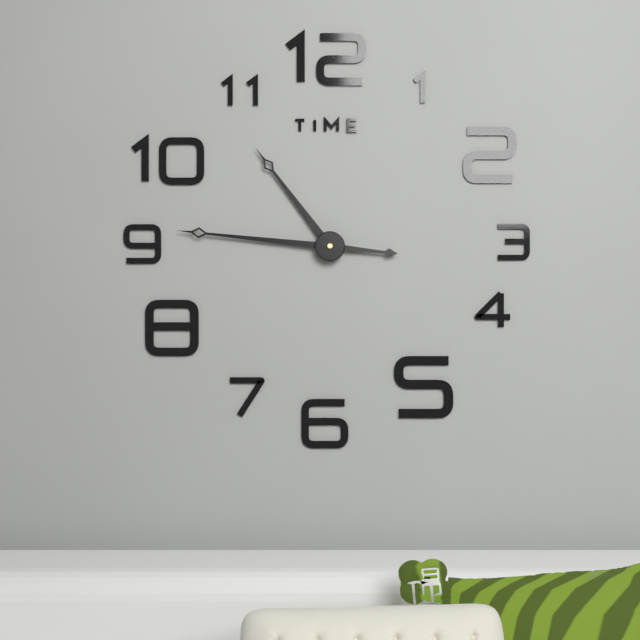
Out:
10.46
